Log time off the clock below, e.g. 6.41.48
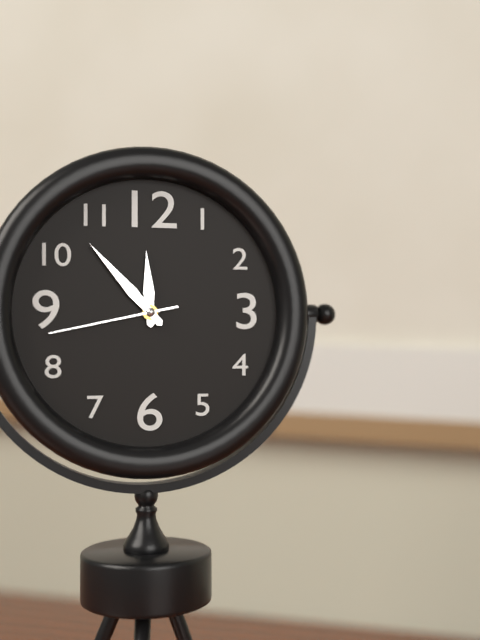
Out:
11.53.43
